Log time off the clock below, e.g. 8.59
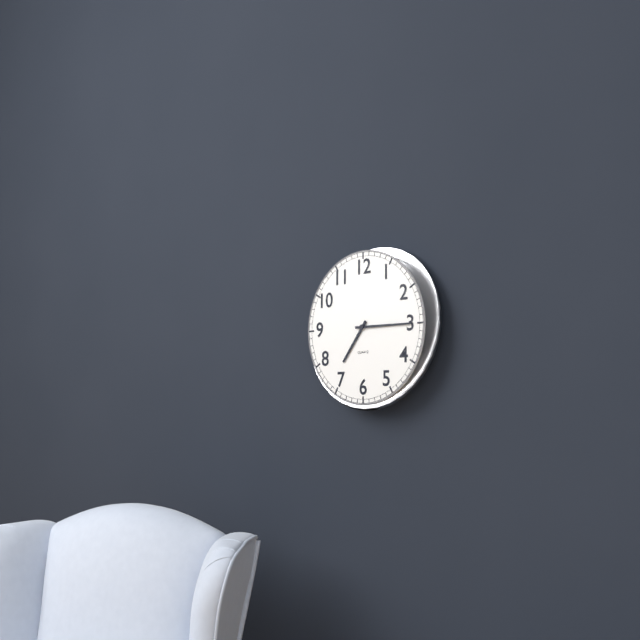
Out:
7.15
